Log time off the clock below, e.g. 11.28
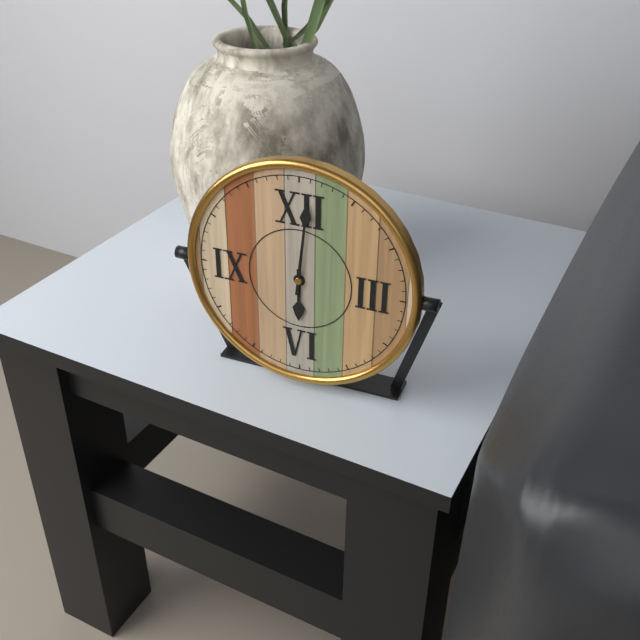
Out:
6.01
